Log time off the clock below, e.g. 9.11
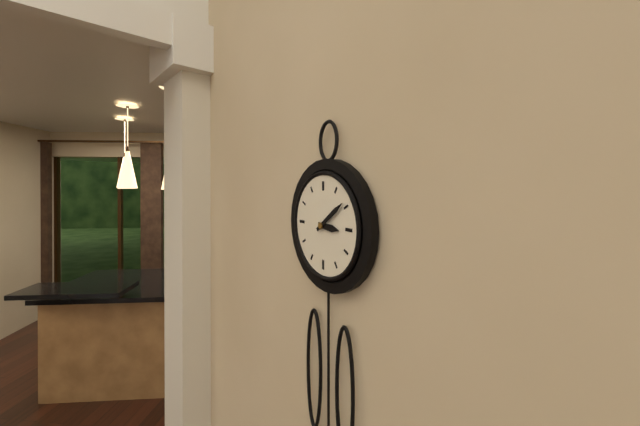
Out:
3.09
